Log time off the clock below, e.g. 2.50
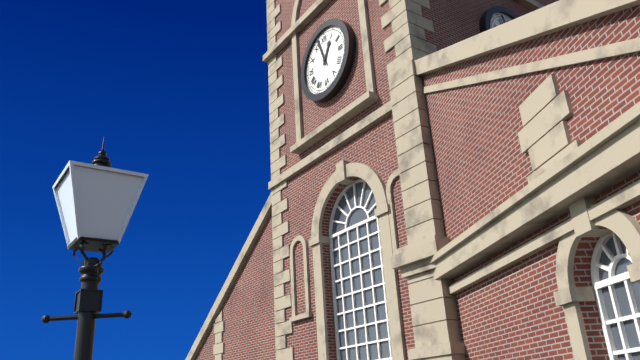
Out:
12.57
